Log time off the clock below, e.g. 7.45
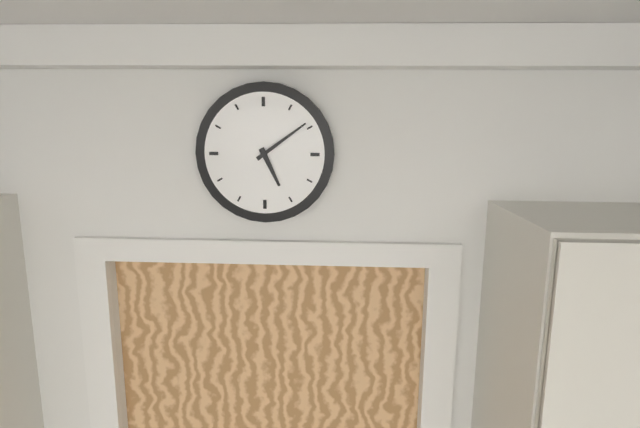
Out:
5.09
